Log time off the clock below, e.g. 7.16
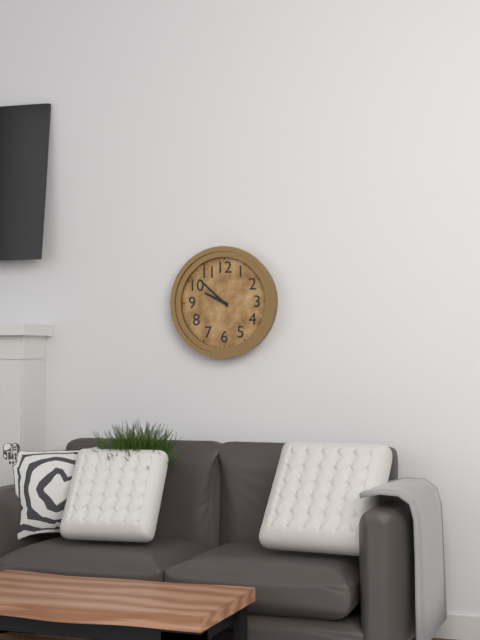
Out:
9.52
